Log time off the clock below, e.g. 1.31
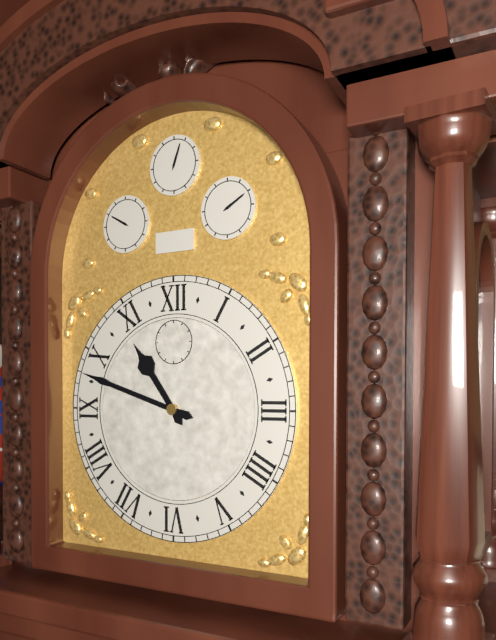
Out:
10.48
